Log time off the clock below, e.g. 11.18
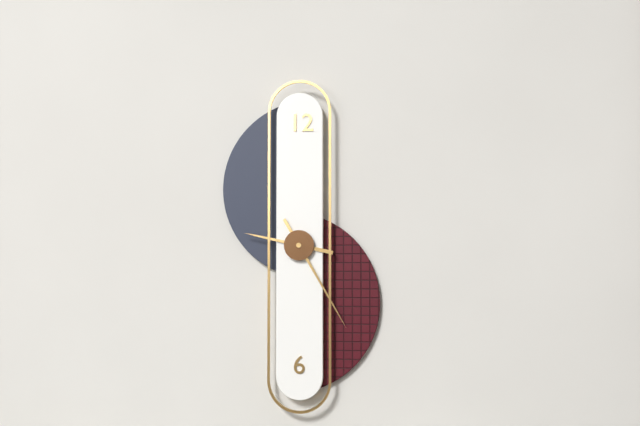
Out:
9.25
